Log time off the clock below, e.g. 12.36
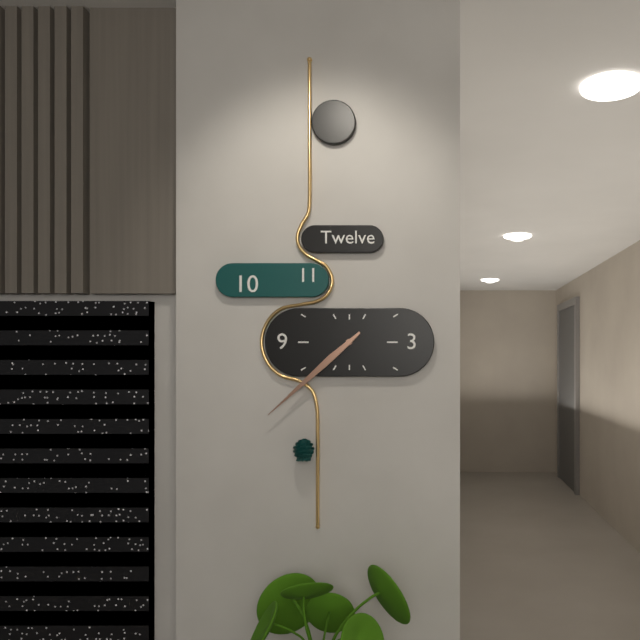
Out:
7.38
